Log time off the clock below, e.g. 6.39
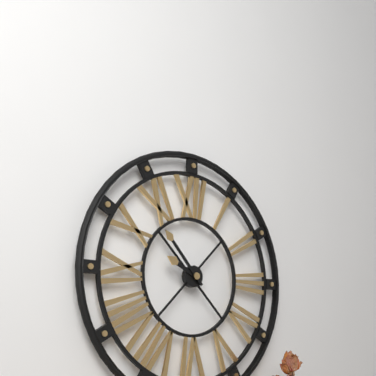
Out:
9.53
